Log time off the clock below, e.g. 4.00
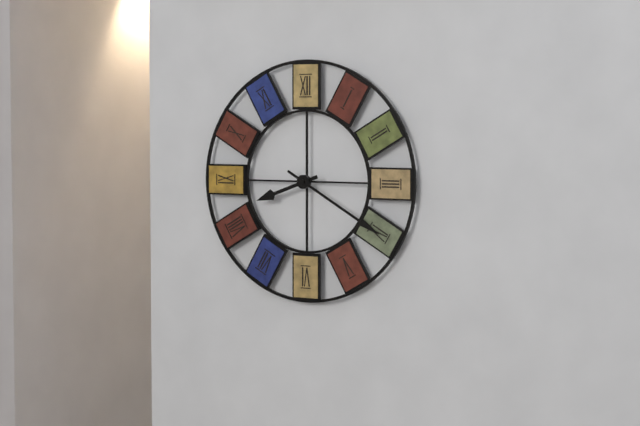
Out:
8.20
